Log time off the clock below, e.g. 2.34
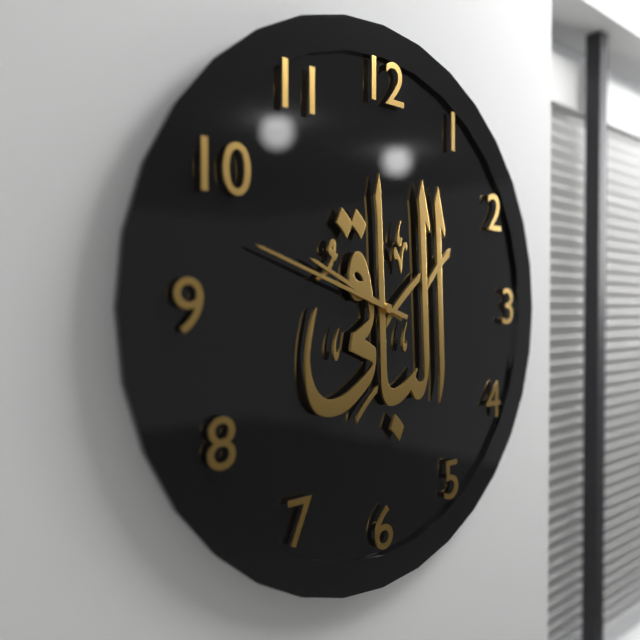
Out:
9.48
